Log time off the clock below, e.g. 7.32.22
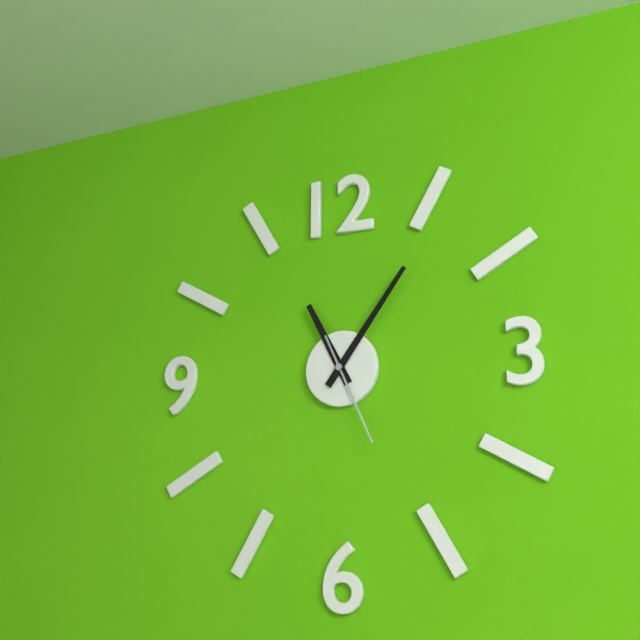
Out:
11.06.26
